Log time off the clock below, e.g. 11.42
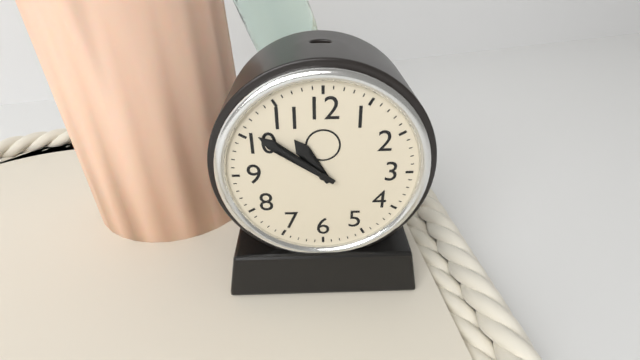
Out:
10.51
